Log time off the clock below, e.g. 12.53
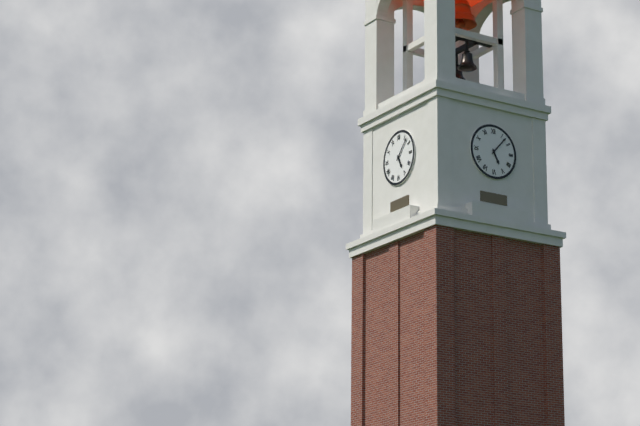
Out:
5.07
